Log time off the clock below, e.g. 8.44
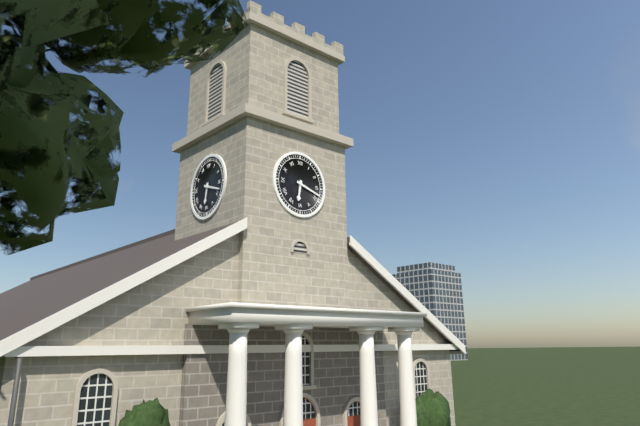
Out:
6.18
